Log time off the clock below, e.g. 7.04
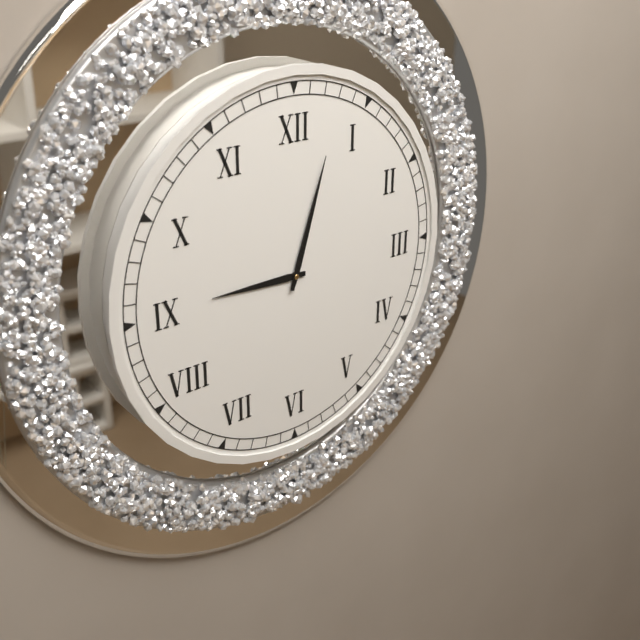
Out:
9.03
